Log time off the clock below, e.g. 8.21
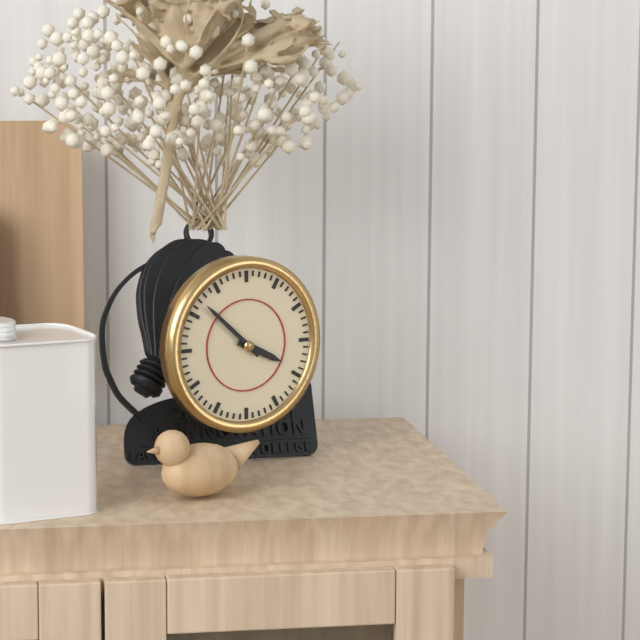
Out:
3.52
